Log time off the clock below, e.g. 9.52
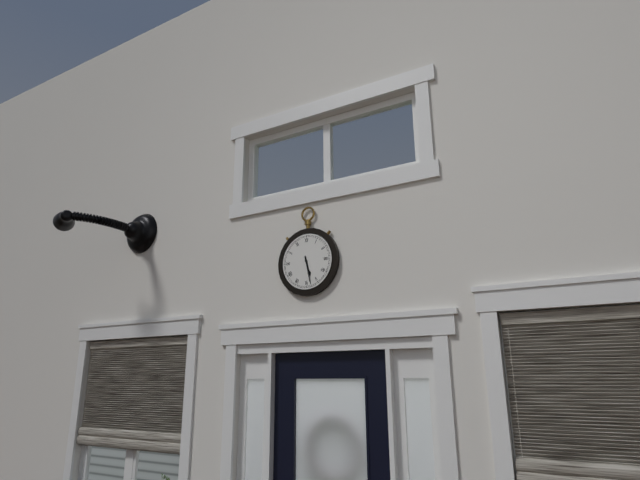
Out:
5.28
